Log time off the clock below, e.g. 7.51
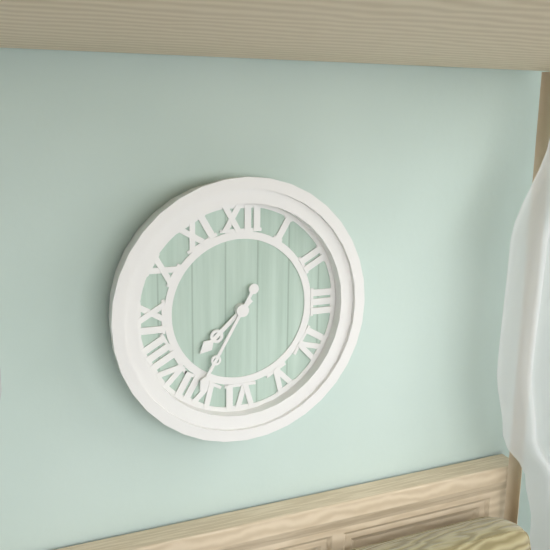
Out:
7.35
